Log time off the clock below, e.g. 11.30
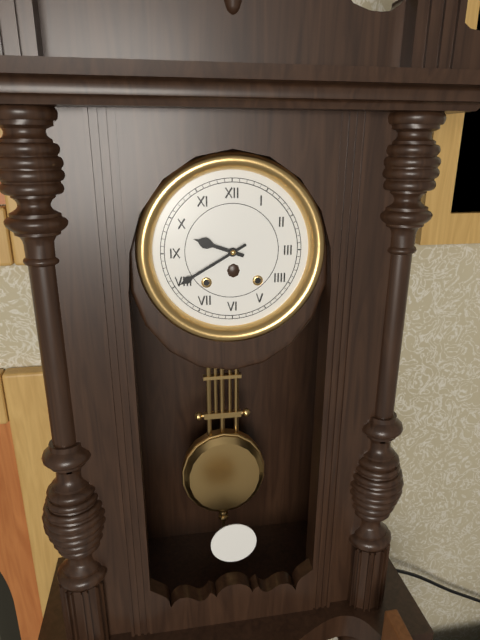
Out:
9.40
